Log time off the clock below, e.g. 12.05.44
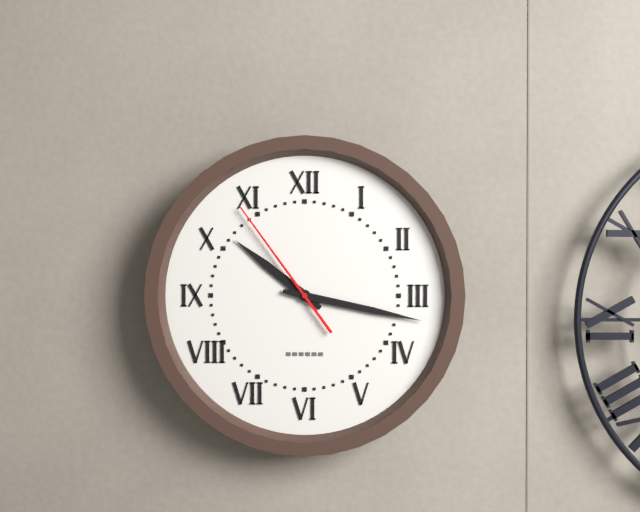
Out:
10.17.54
